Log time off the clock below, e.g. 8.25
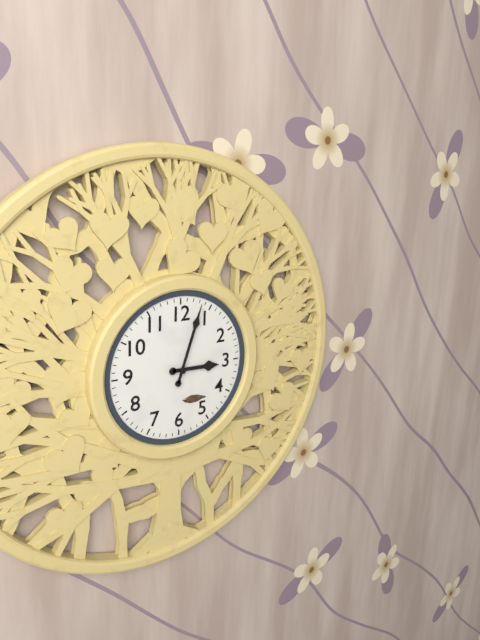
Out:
3.03
